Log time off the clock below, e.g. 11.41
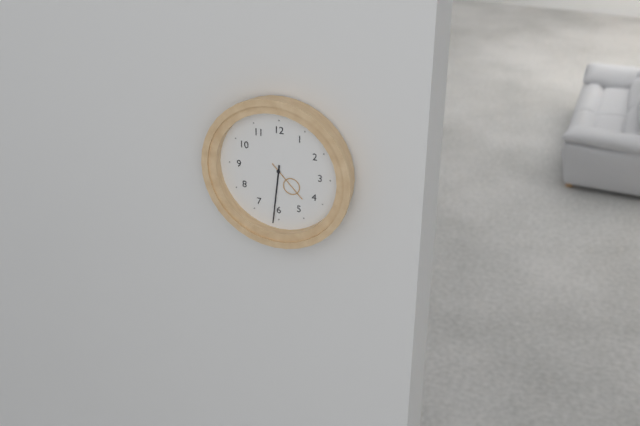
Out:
4.31
